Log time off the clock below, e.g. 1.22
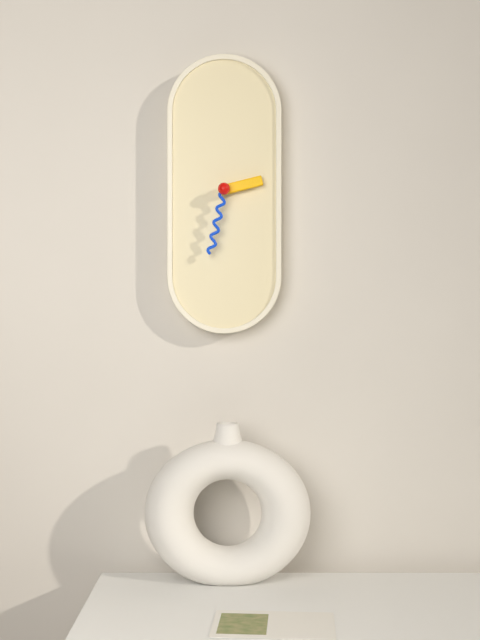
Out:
2.32
